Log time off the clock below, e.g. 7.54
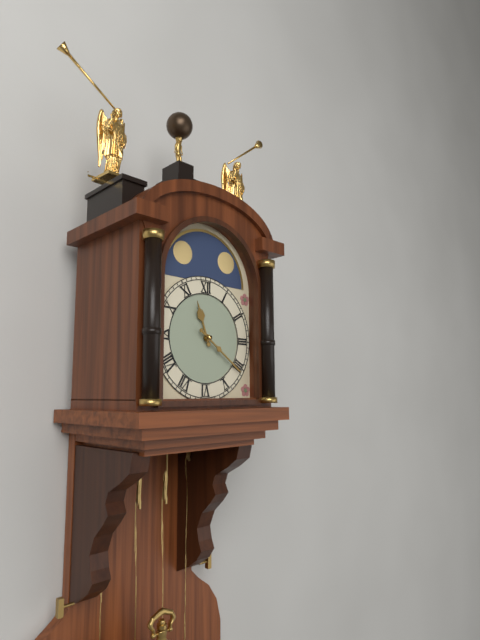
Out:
11.21
